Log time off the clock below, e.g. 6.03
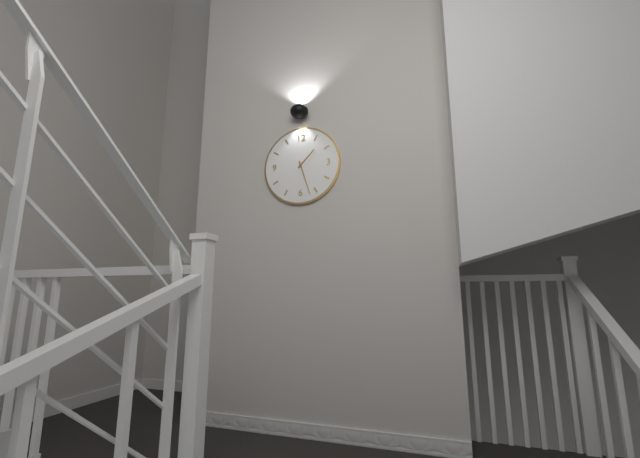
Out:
1.27
